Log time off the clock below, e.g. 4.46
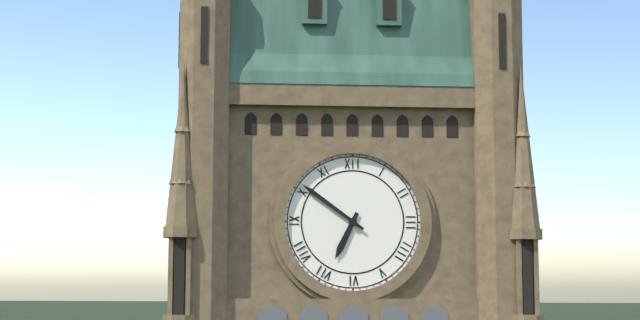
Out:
6.51
